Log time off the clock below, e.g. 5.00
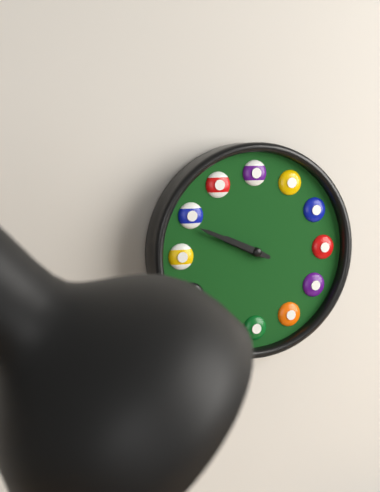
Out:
9.49
